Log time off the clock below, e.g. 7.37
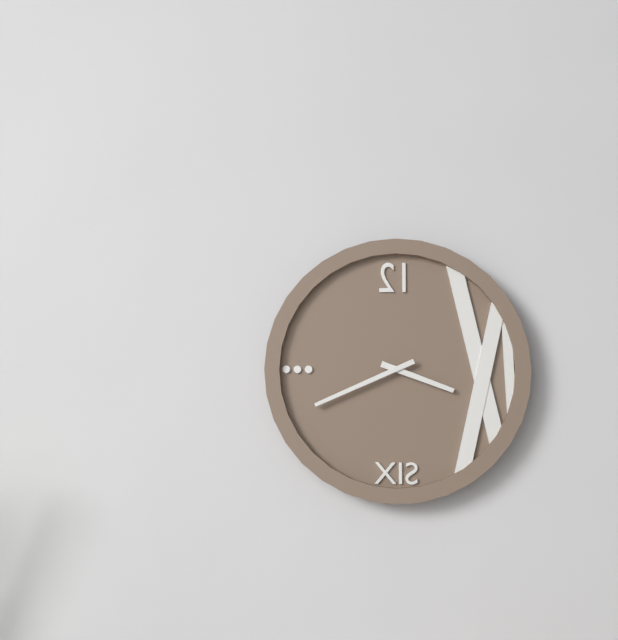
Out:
3.41
